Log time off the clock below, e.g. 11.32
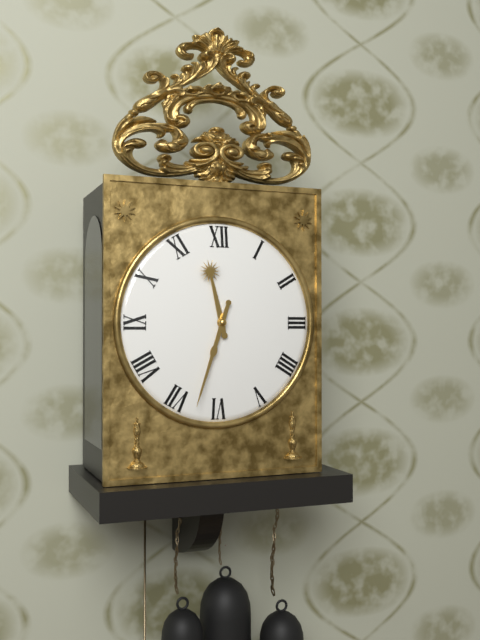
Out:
11.33
